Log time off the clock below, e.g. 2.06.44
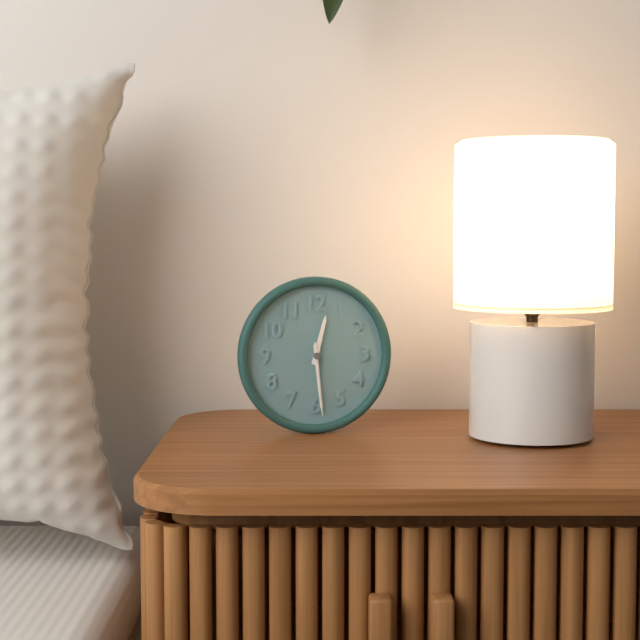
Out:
12.29.29
